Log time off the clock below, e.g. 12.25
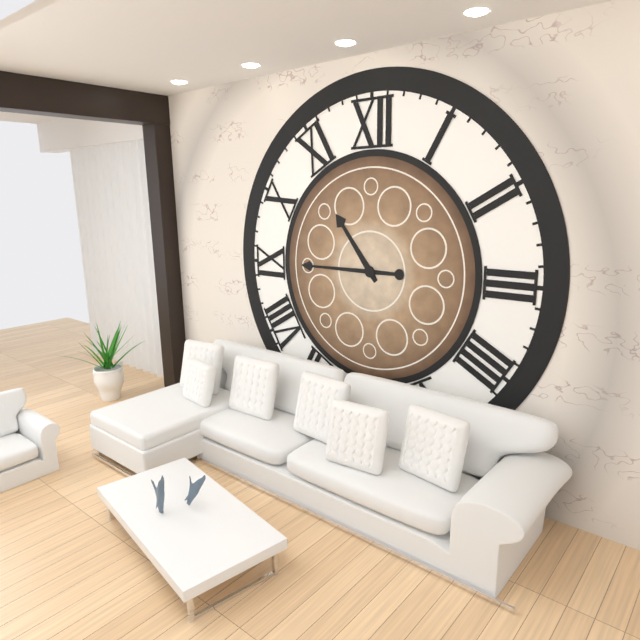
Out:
10.45
